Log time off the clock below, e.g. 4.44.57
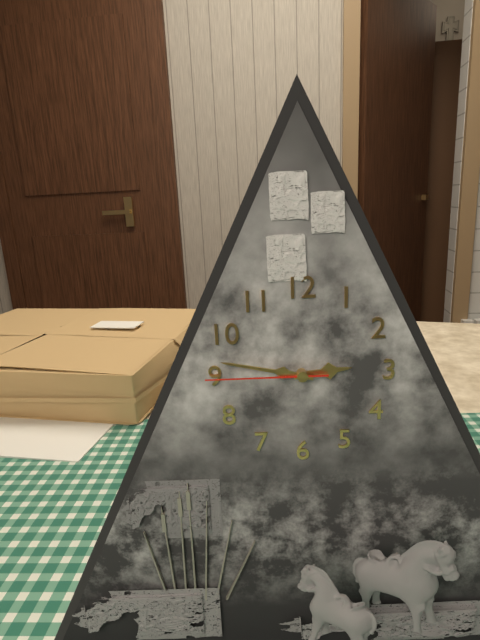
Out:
2.47.45
